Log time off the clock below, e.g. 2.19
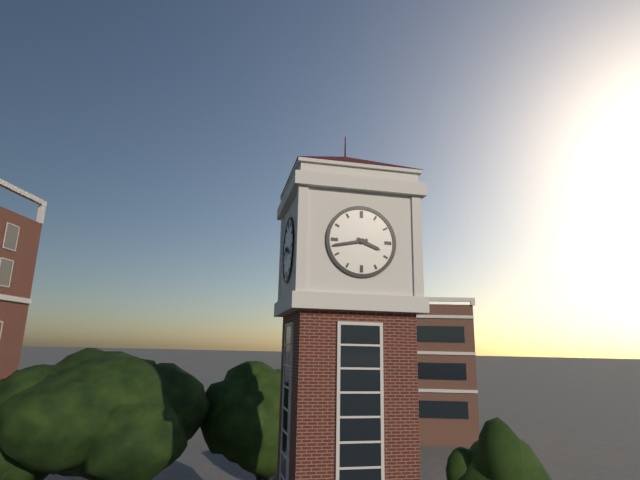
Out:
3.43
